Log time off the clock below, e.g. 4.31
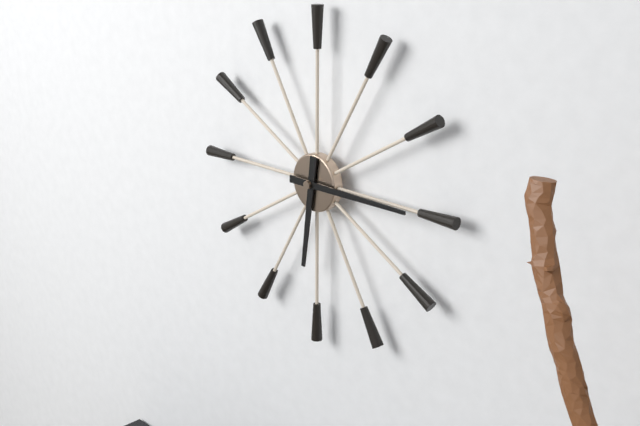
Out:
6.15
